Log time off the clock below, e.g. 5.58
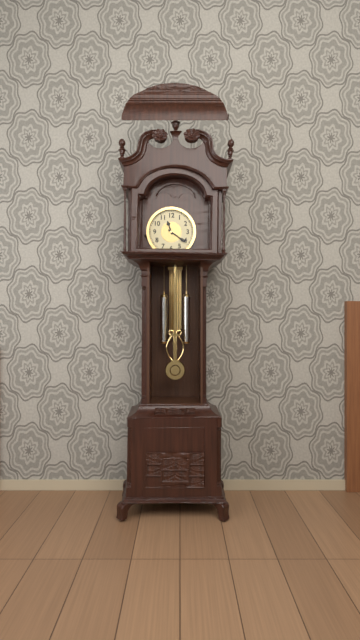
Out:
11.21
